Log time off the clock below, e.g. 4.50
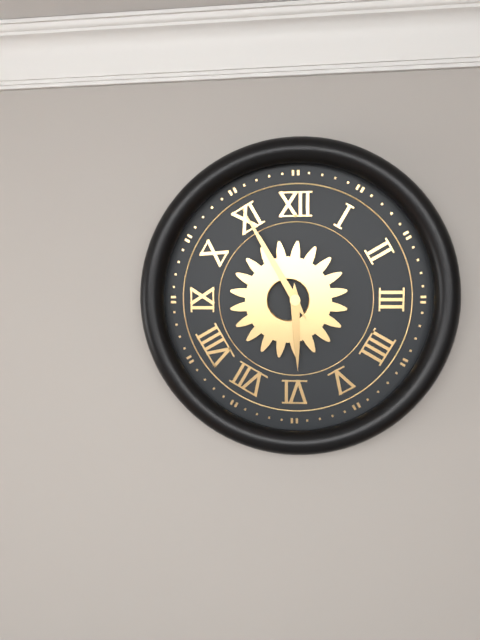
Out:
5.55
